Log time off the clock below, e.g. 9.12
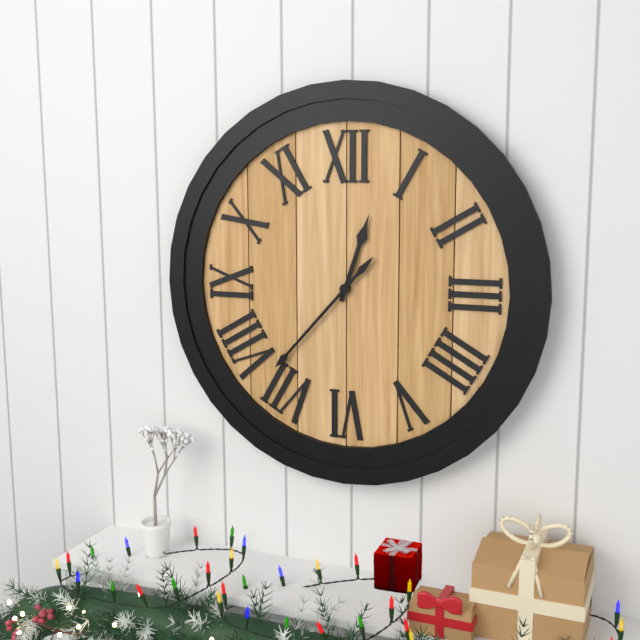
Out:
12.37
